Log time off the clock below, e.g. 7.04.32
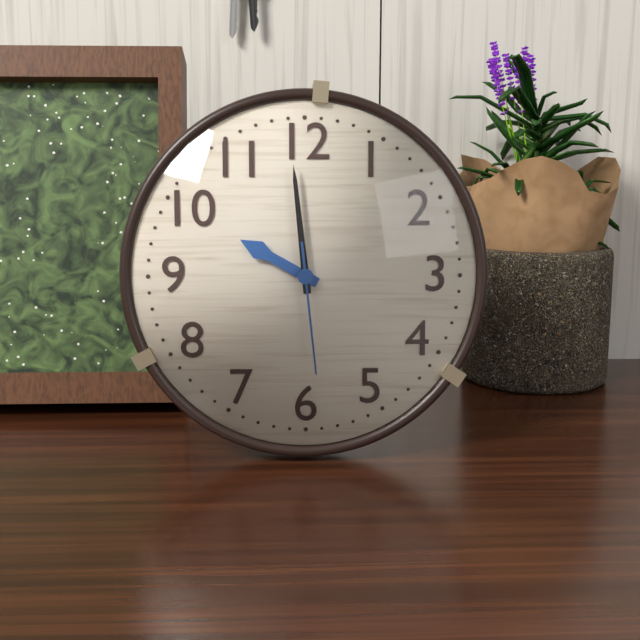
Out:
9.59.29
